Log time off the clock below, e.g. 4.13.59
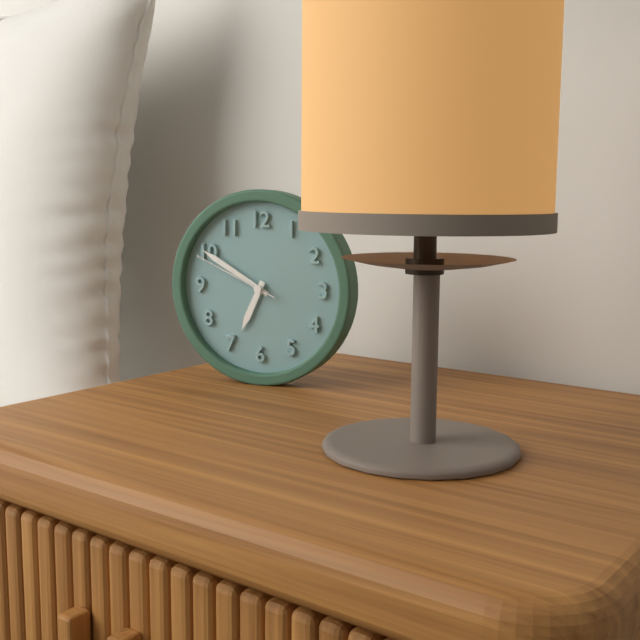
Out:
6.50.49
